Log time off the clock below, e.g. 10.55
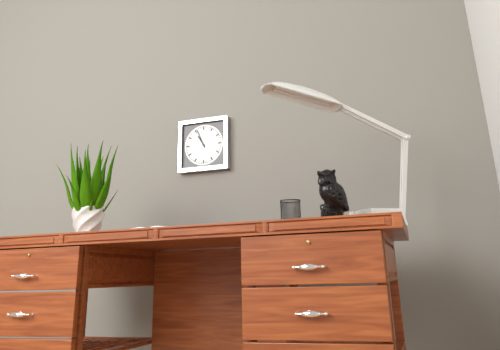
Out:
10.56
